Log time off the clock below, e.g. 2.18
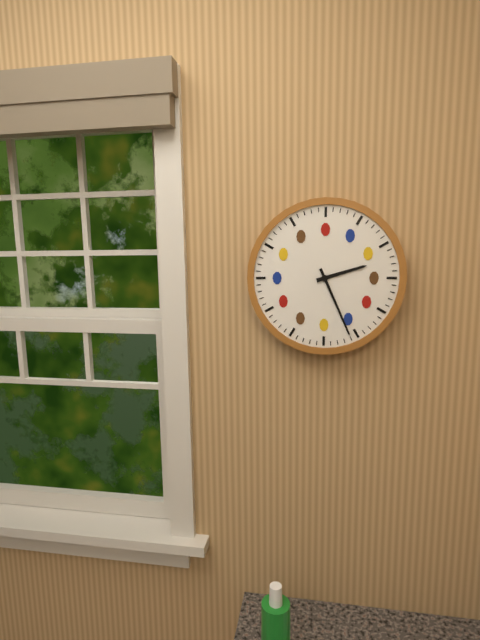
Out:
2.26
